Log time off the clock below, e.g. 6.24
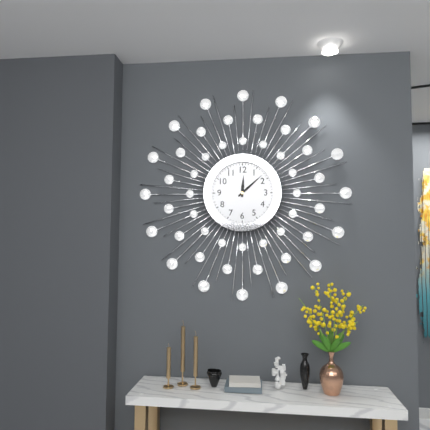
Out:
12.08
